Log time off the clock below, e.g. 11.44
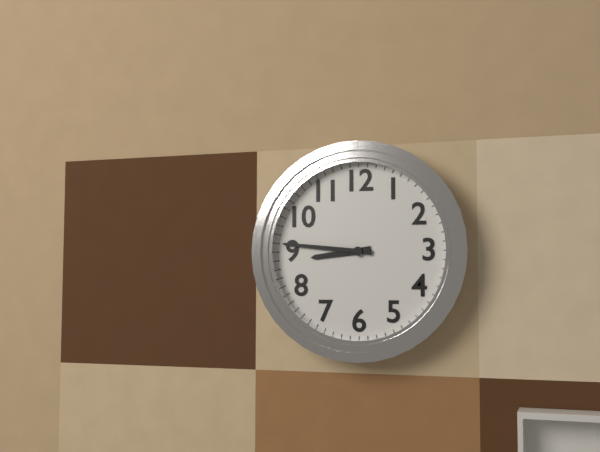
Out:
8.46
